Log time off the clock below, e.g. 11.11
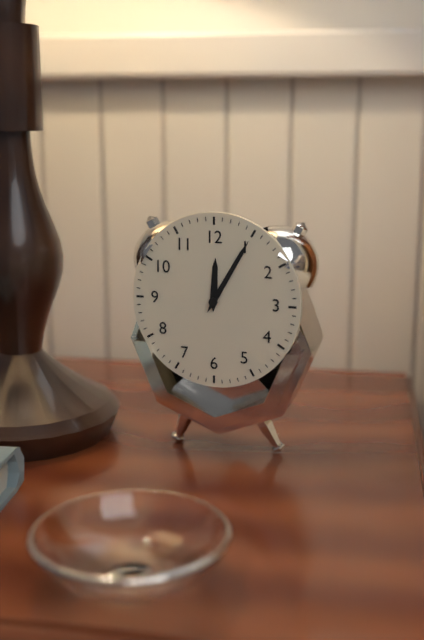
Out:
12.05
